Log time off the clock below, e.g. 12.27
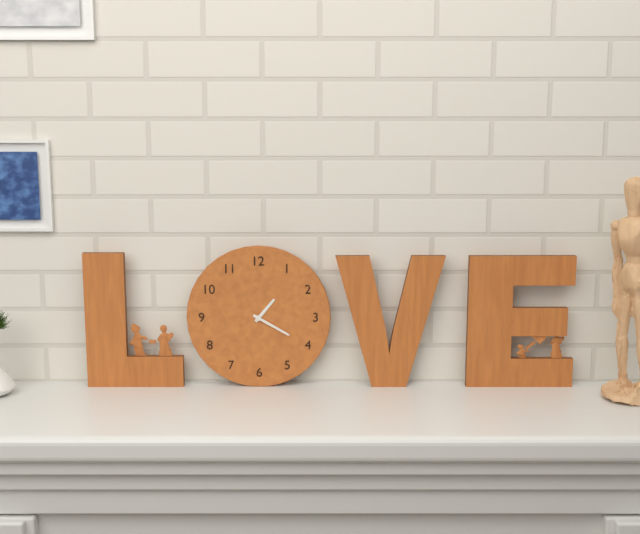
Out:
1.20
